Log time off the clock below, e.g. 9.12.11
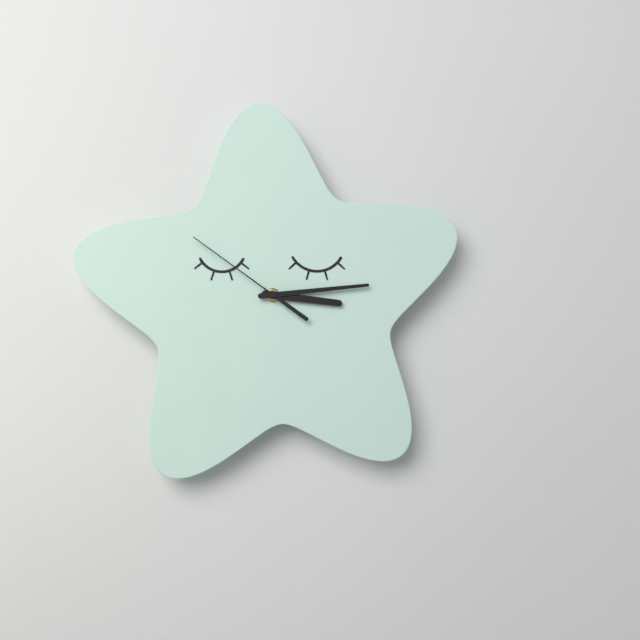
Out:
3.14.51
